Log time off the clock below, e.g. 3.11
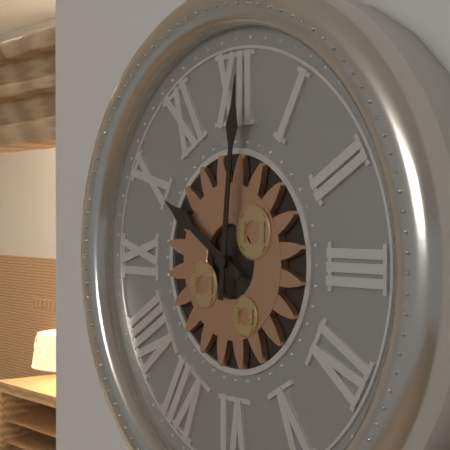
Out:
10.01
